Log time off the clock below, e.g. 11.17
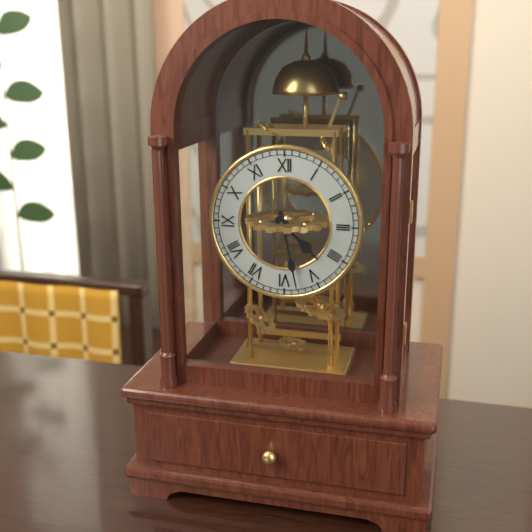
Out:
4.28
